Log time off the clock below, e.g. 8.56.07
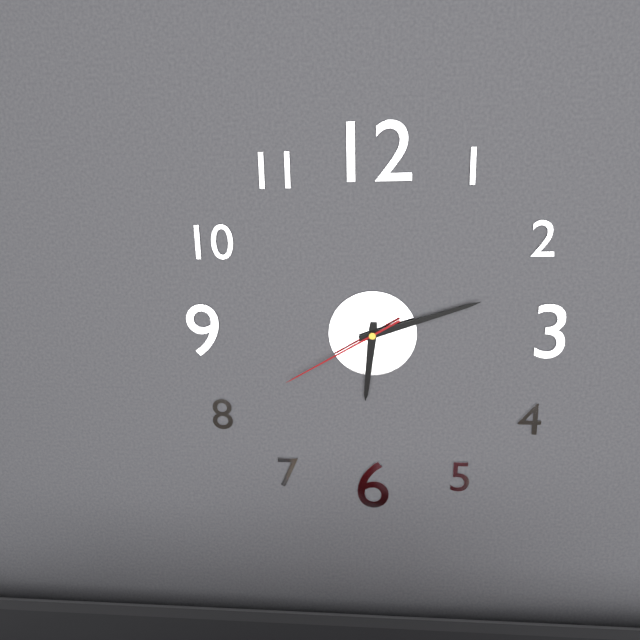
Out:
6.12.40
